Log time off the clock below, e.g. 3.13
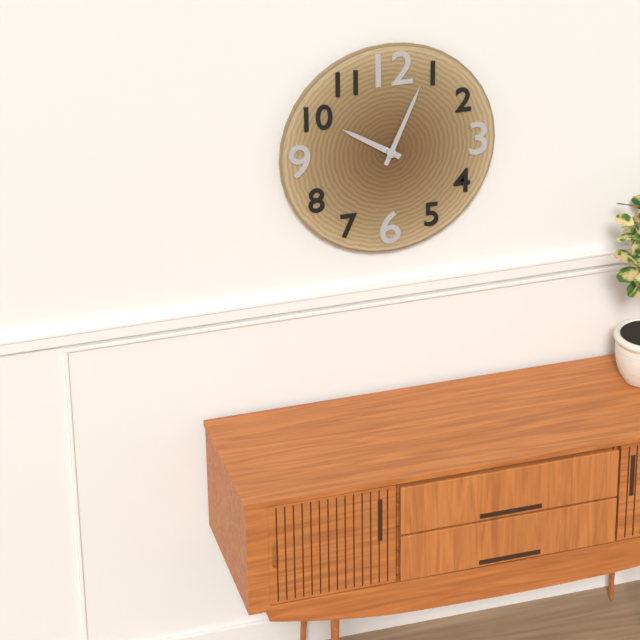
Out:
10.04
